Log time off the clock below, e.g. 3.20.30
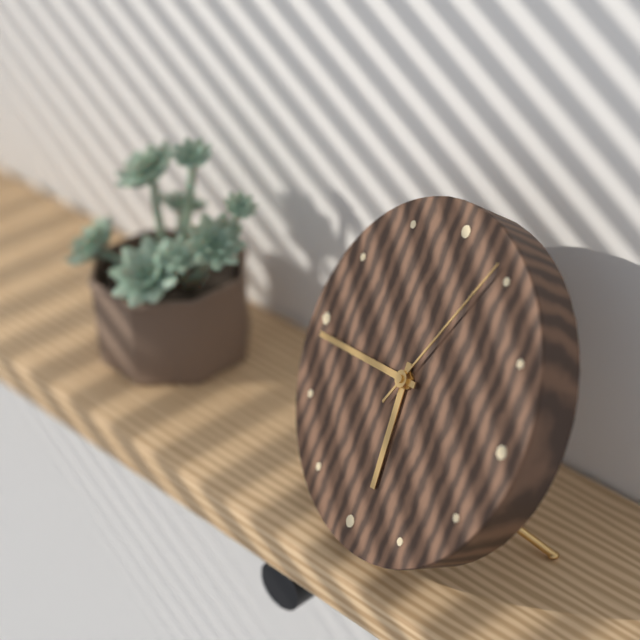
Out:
5.44.04
